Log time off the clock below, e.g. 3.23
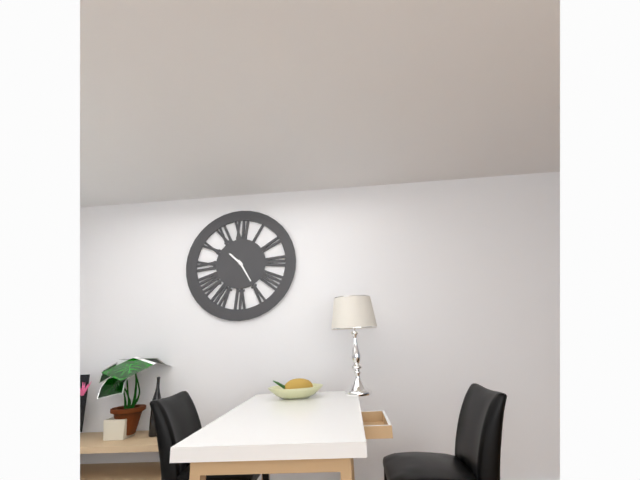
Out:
10.25
